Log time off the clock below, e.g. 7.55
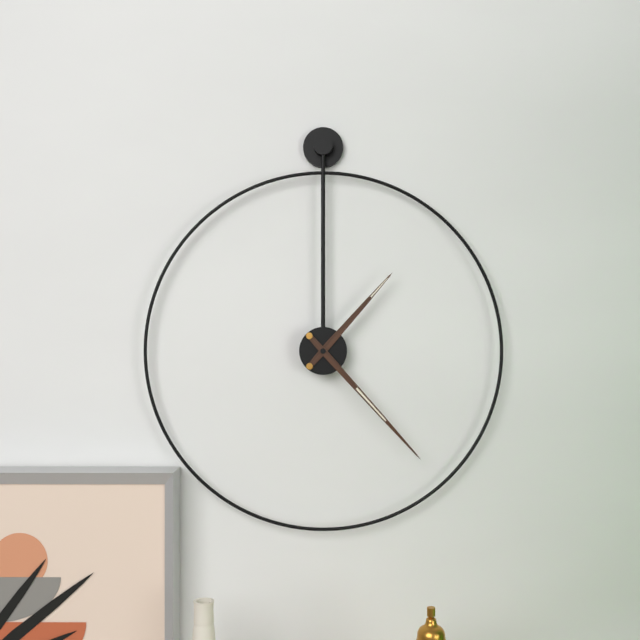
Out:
1.23
